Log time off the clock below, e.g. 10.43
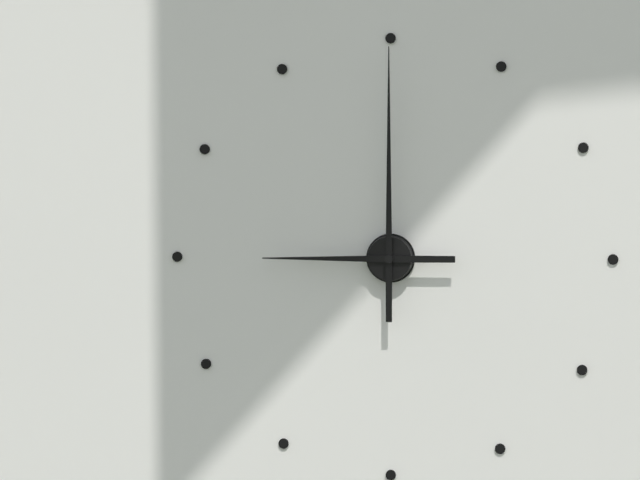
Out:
9.00
